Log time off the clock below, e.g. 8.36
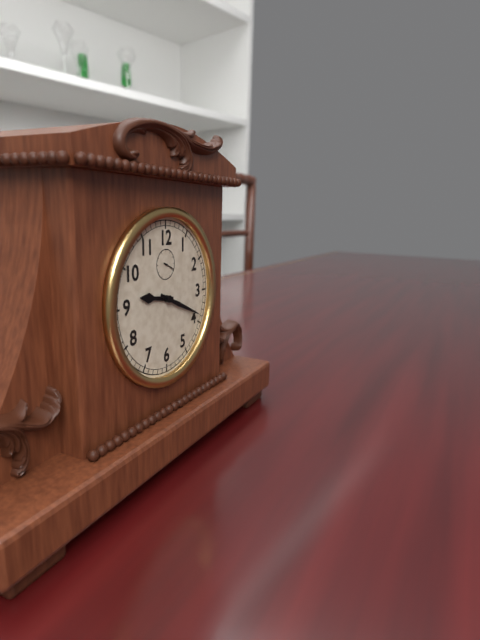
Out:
9.19
